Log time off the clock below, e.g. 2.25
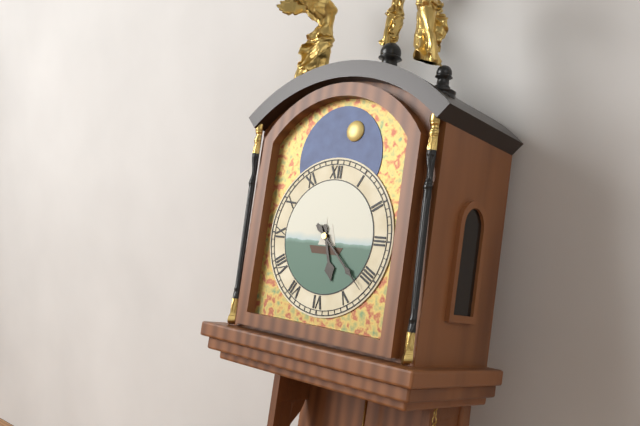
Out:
5.22
